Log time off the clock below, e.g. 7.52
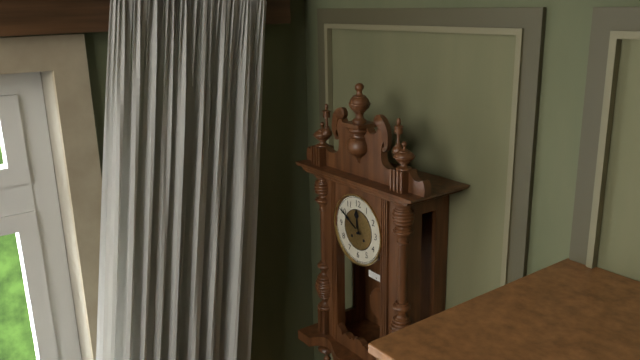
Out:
11.50
